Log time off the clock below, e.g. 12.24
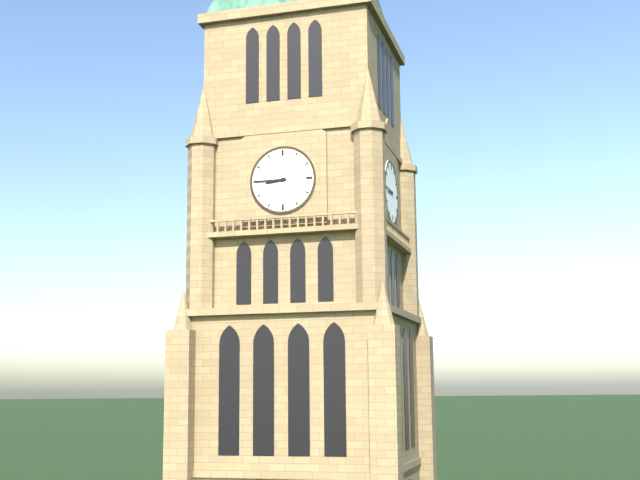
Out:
8.45
